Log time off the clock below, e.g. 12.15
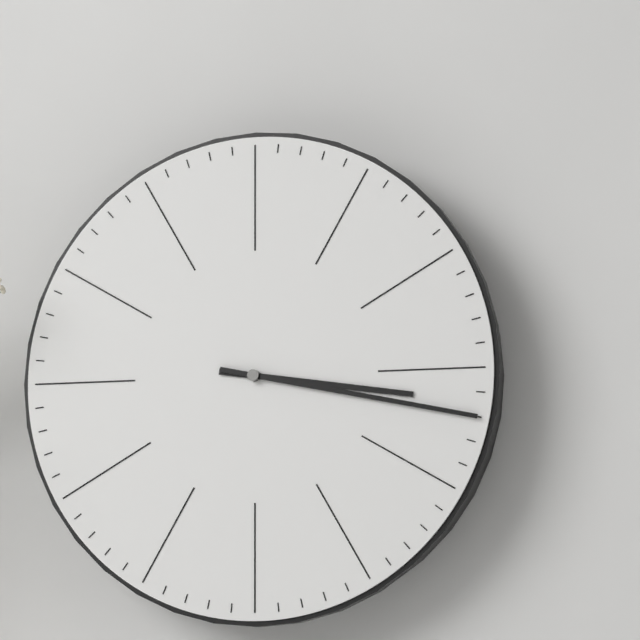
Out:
3.17
